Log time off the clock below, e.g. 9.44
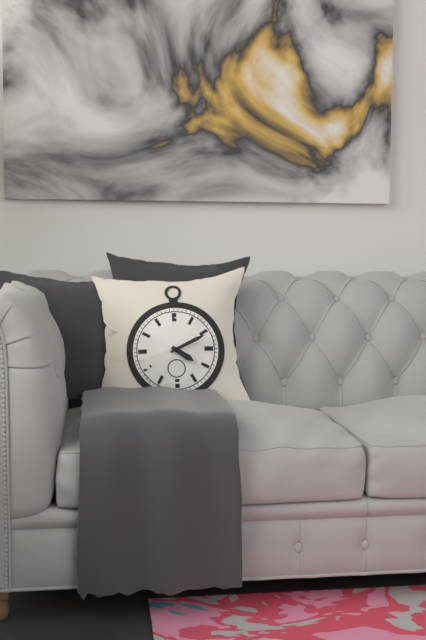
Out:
4.11
